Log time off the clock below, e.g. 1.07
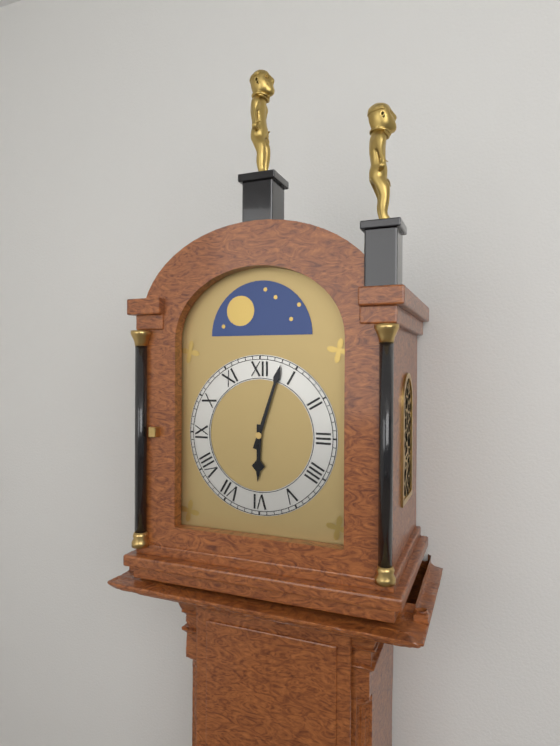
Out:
6.03
